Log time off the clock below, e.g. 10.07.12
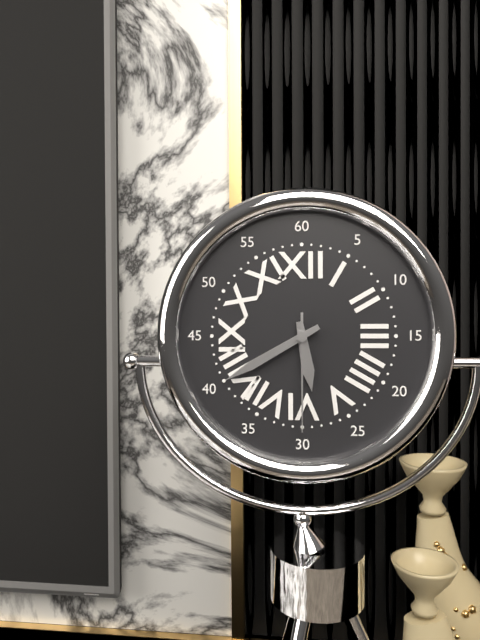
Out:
5.40.30
